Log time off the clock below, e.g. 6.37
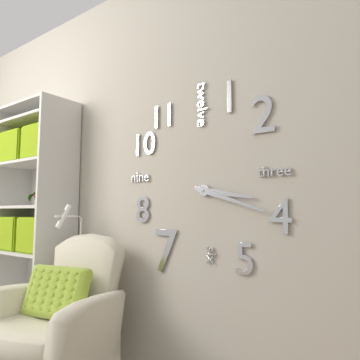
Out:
3.18
